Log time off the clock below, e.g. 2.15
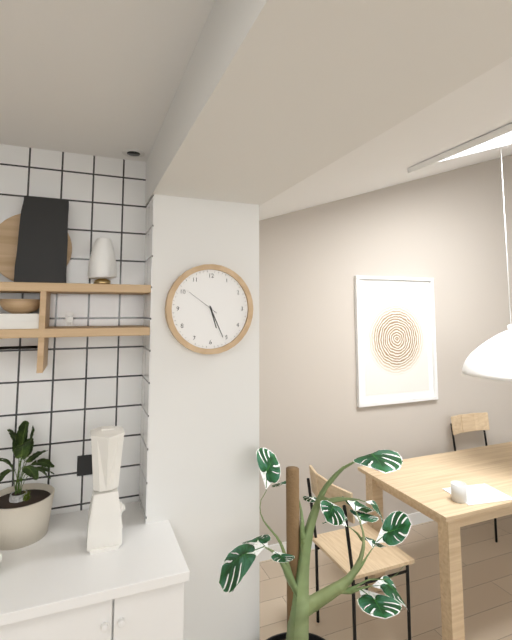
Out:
5.26
